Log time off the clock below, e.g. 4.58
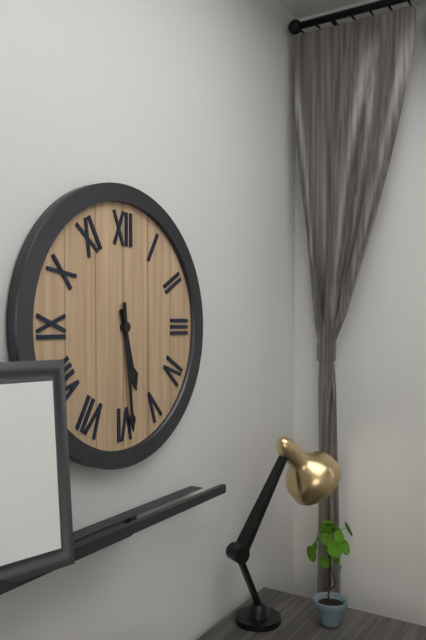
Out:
5.29
